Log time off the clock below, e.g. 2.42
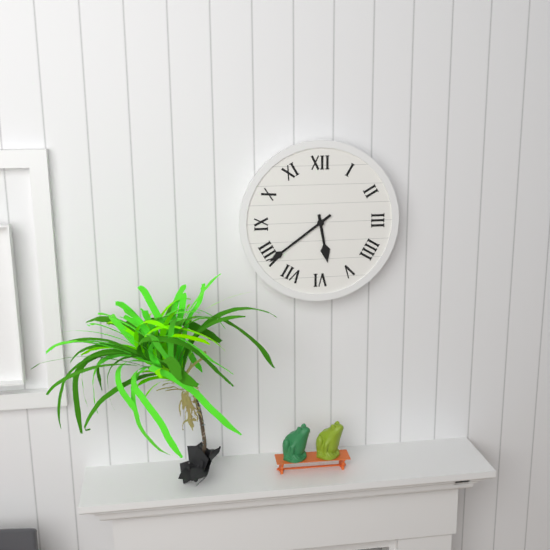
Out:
5.39
